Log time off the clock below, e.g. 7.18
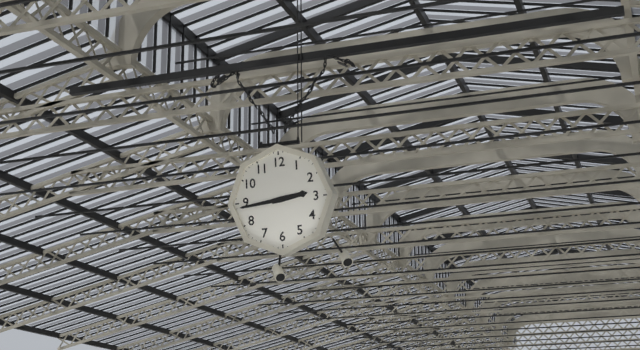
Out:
2.44
